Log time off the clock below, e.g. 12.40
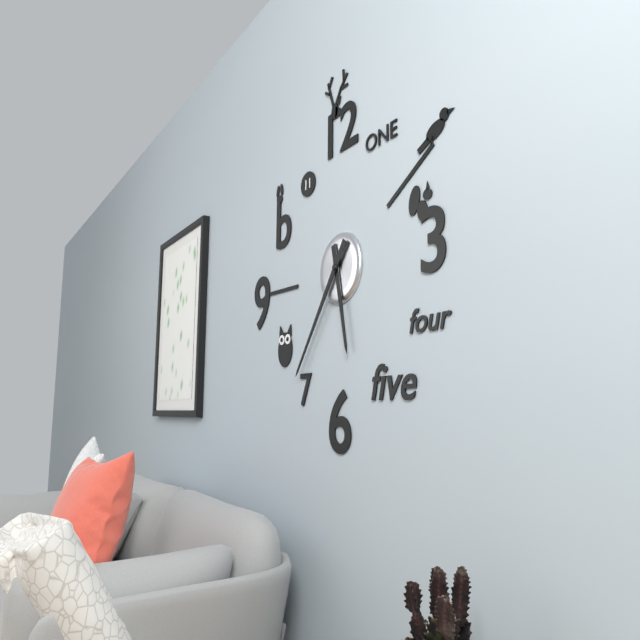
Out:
5.36
